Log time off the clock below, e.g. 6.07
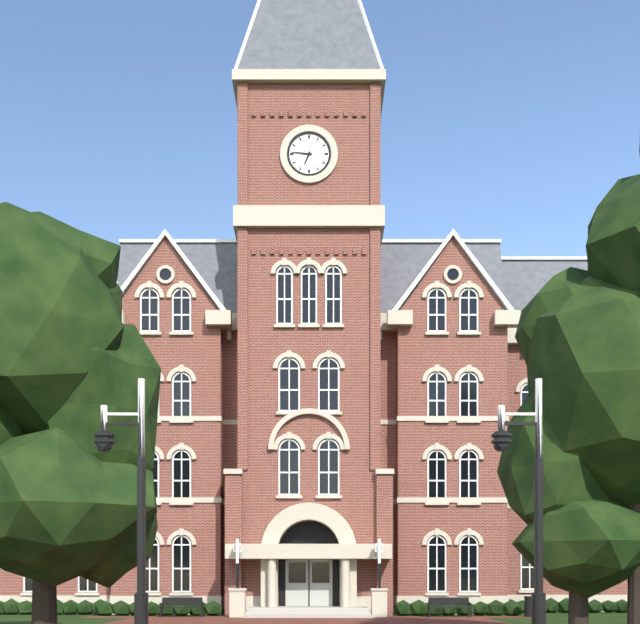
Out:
6.46
